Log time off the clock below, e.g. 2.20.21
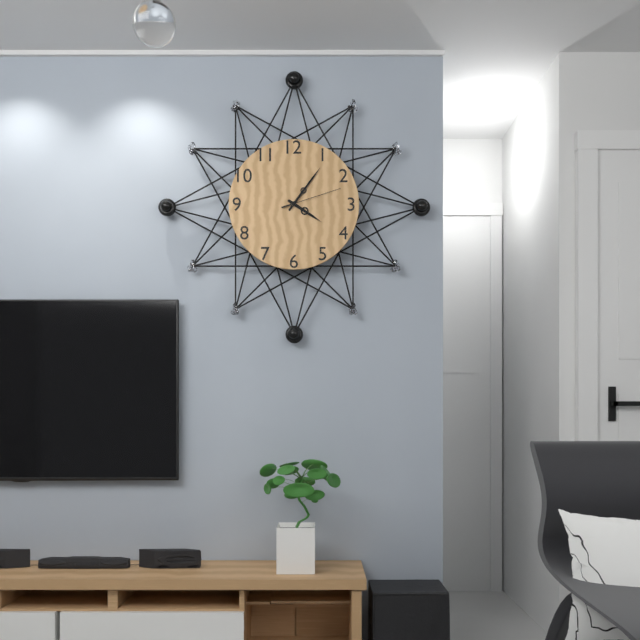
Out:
4.06.12
